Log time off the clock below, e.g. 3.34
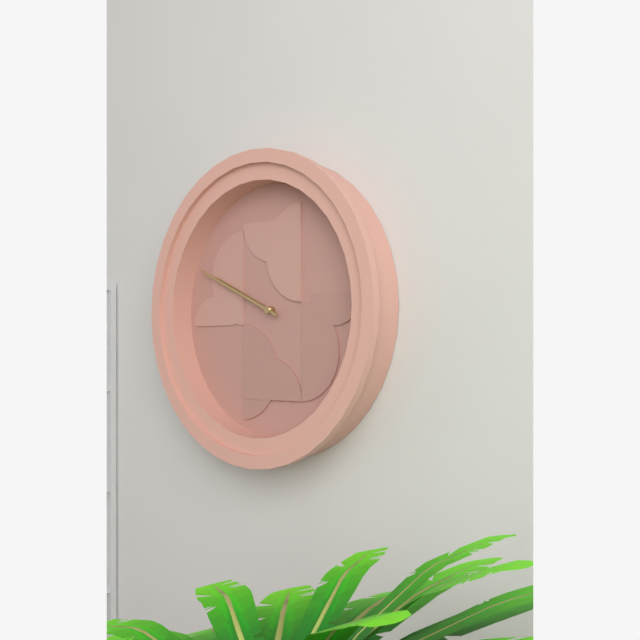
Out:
9.49
